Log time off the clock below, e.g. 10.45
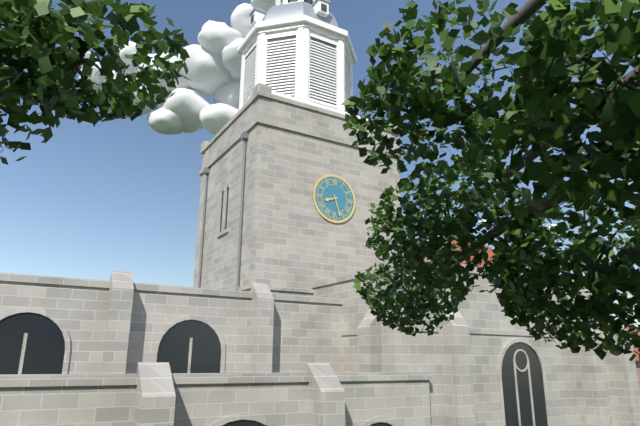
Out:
8.27
